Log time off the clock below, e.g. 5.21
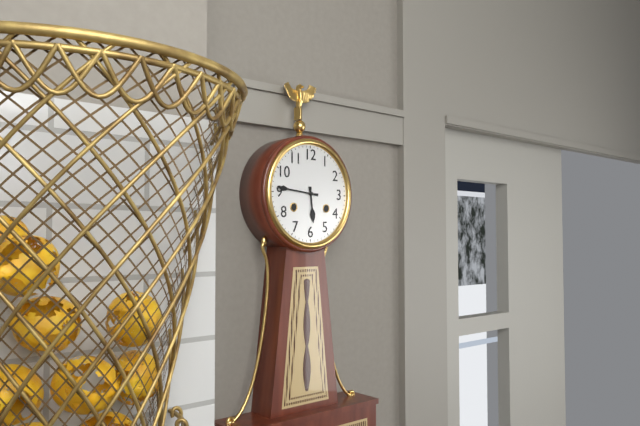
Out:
5.46
